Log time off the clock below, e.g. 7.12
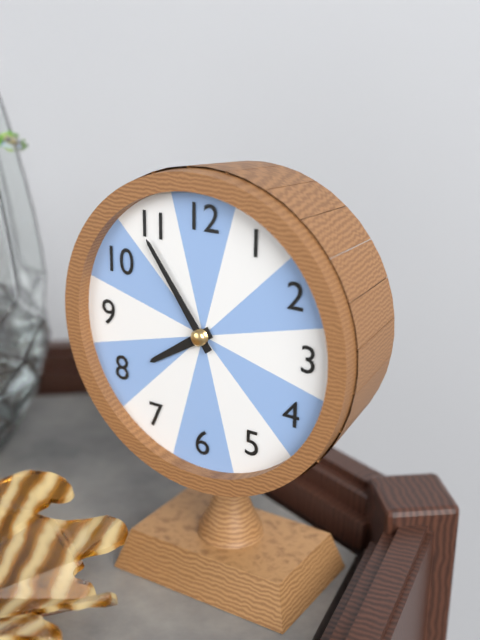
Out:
7.54
